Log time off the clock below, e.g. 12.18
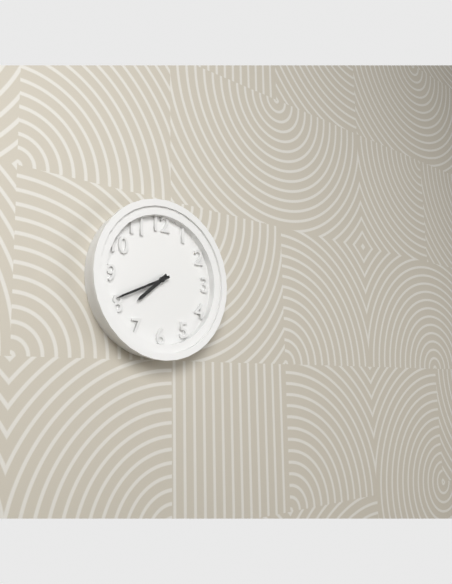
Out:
7.41
